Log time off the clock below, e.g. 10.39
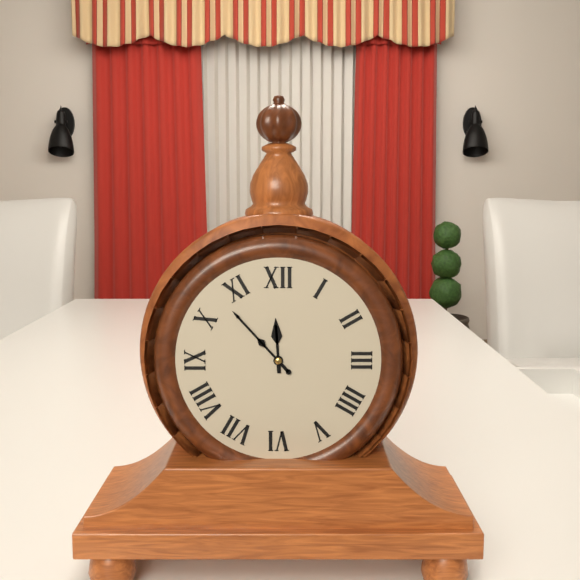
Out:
11.53
